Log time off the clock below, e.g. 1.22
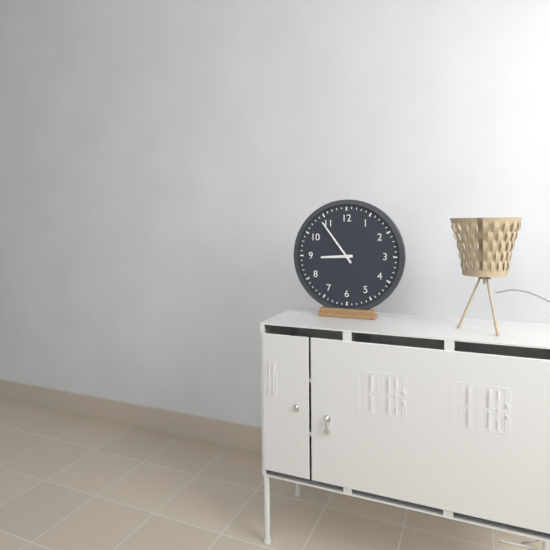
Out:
8.54
